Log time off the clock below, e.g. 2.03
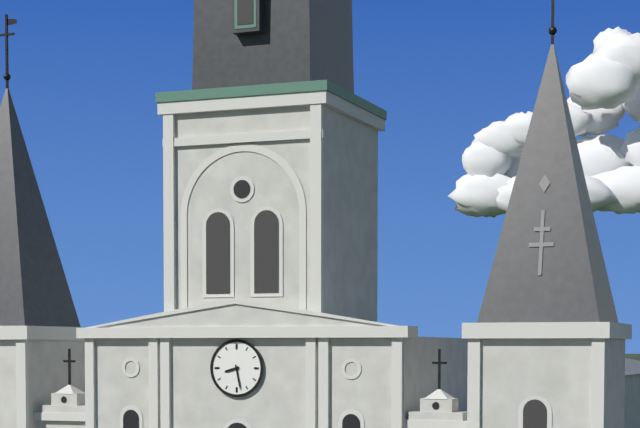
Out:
8.28
